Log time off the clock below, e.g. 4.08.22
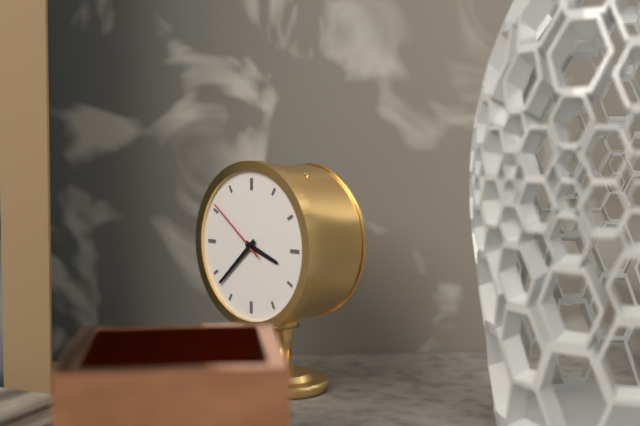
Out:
3.38.51
